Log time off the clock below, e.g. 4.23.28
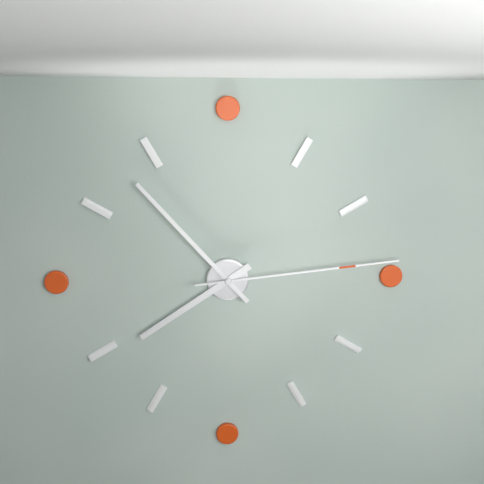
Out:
7.53.14
